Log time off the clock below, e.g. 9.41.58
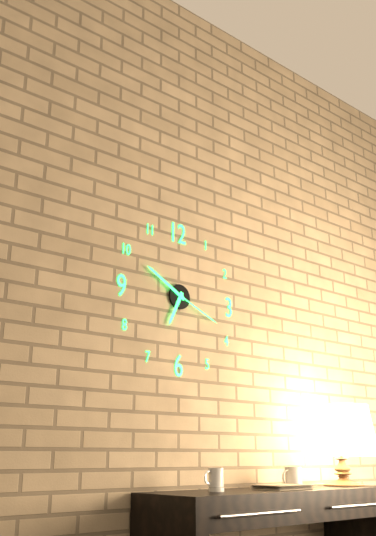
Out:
6.50.19
